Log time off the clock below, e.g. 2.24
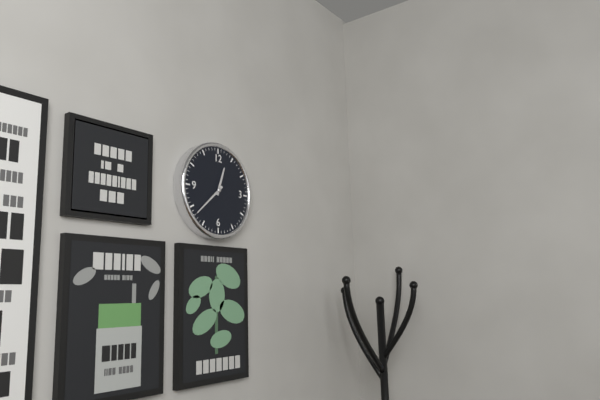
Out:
12.38
